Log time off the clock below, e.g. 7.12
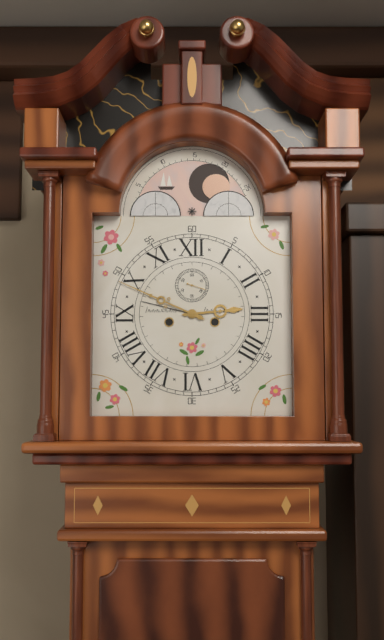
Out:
2.49
